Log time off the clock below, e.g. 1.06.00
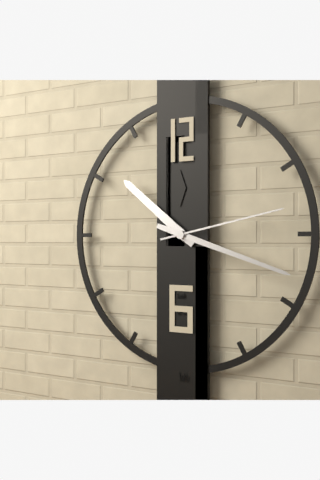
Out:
10.18.13
